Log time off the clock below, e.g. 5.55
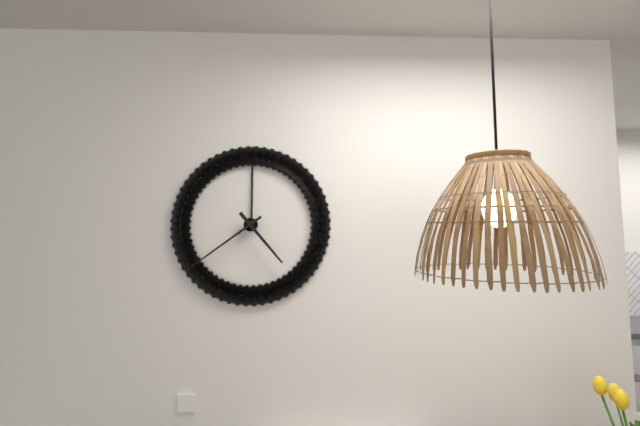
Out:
4.39
